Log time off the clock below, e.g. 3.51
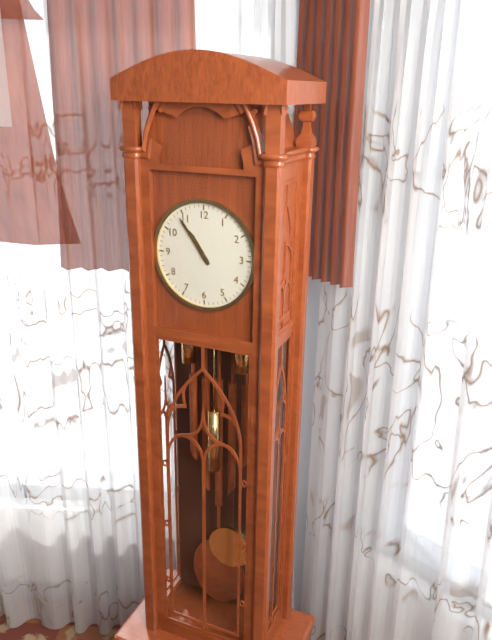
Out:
10.54
